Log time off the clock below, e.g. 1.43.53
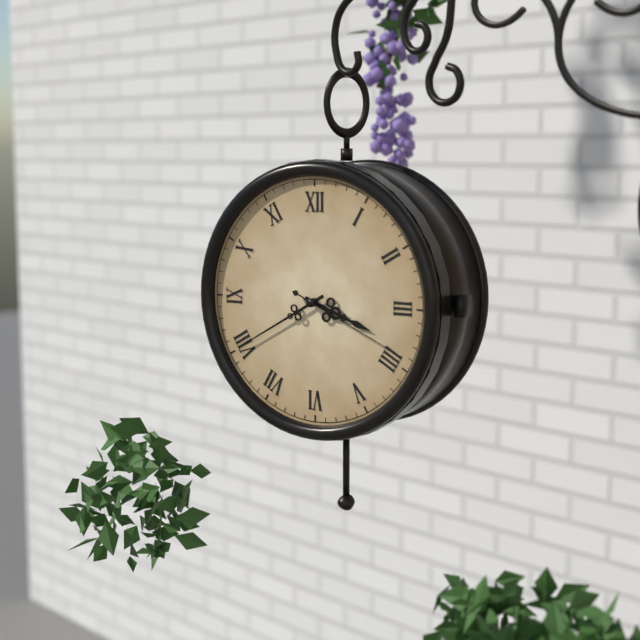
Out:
3.40.19
